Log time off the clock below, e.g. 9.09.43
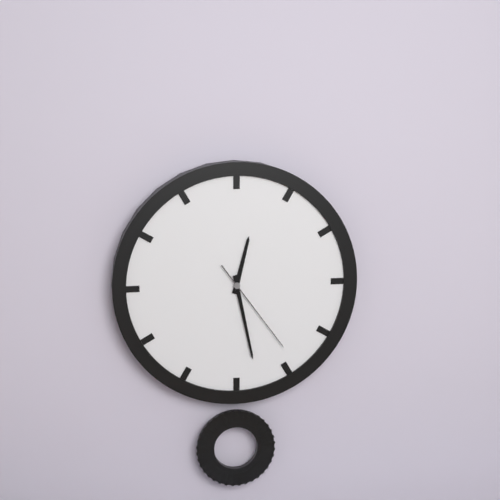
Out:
12.28.24
